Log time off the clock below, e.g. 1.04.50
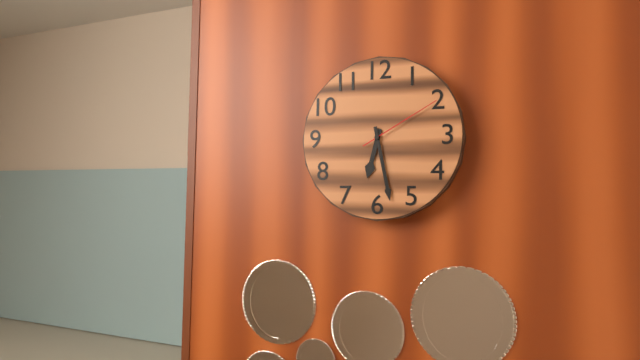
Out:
6.28.10
